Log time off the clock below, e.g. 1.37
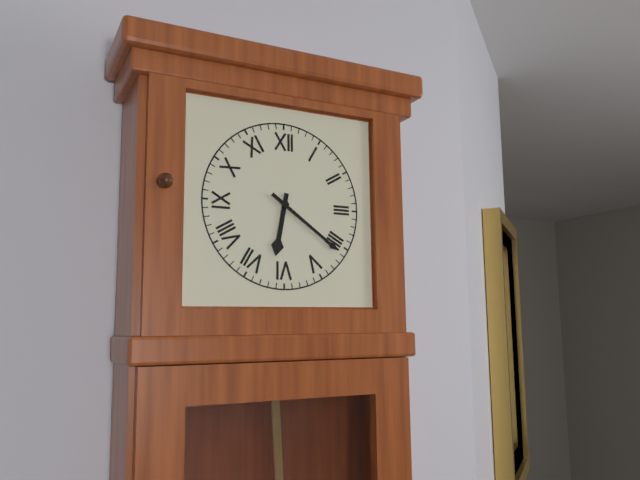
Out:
6.21
